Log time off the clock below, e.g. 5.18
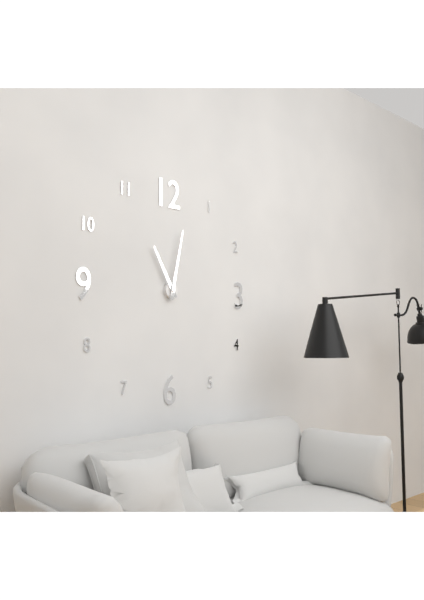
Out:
11.02
